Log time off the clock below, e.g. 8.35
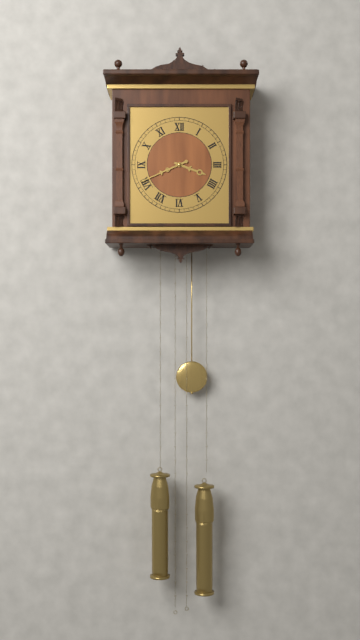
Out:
3.41
